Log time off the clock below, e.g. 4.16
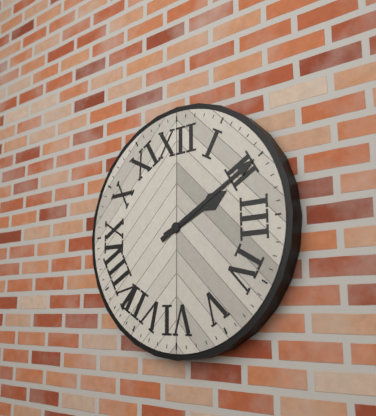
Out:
2.10
